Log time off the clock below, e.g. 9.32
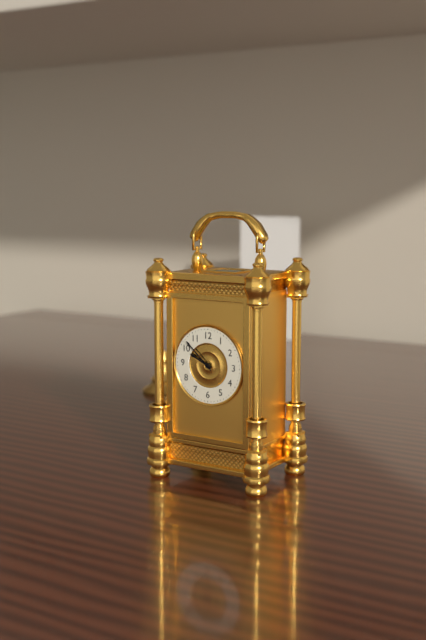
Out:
9.52
